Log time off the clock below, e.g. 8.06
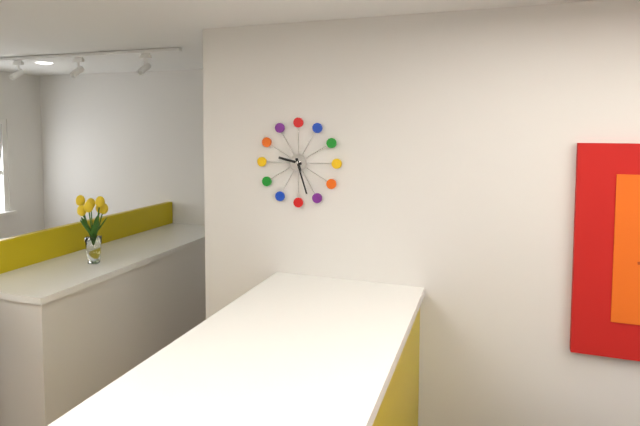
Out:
9.27
